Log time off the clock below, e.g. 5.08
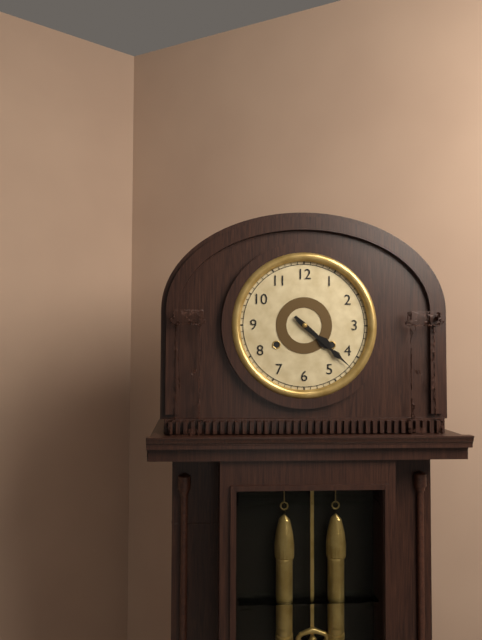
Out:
4.22
